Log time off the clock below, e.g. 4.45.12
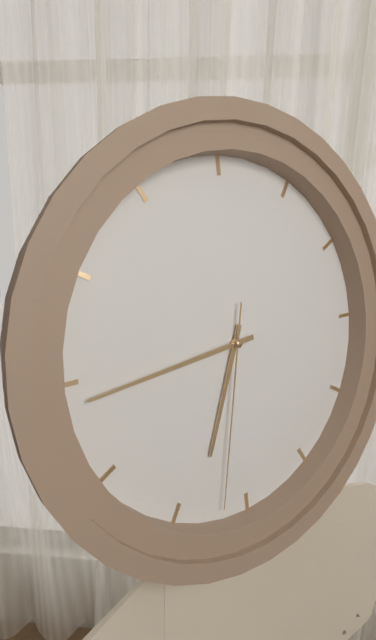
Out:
6.44.32
